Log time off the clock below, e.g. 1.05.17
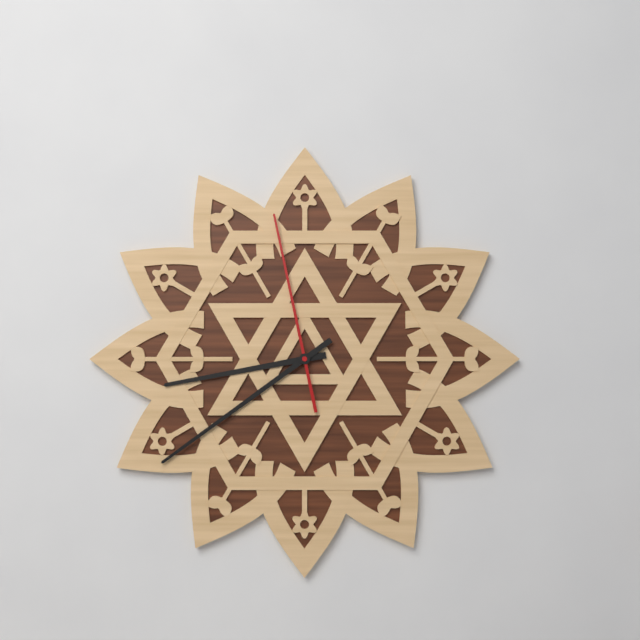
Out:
8.39.58
